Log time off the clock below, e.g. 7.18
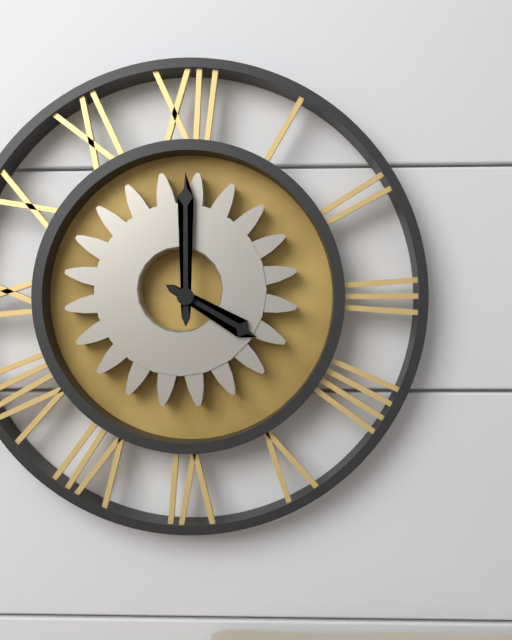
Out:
4.00
